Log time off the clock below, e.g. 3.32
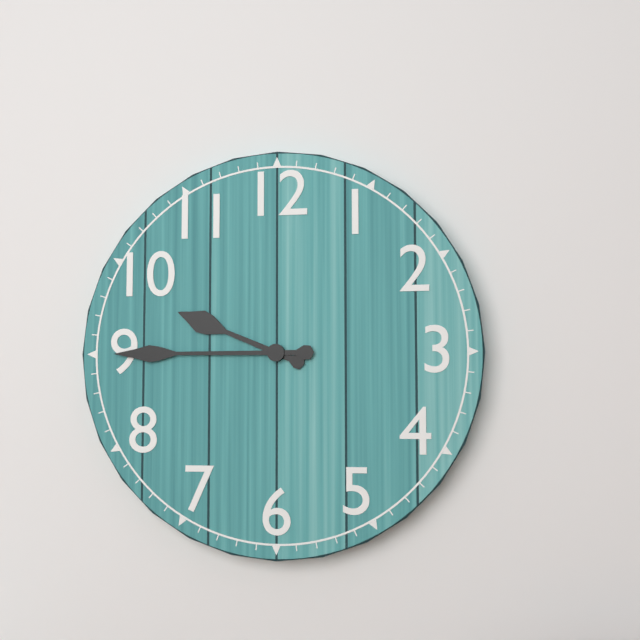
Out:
9.45
